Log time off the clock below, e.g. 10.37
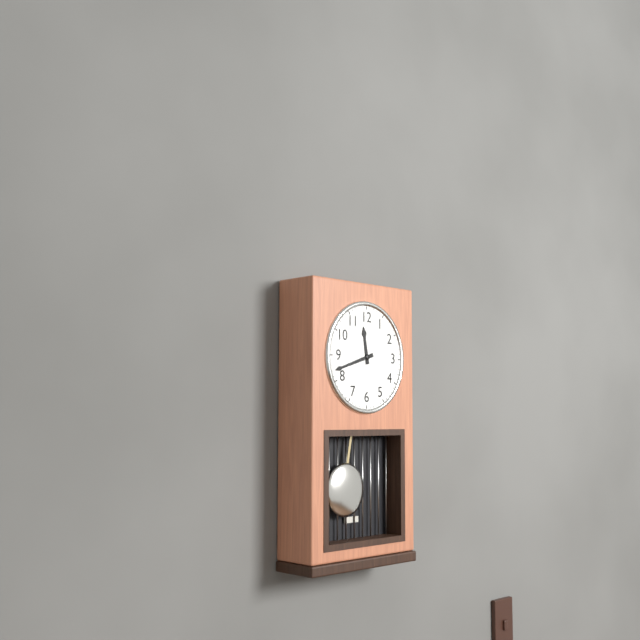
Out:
11.42
